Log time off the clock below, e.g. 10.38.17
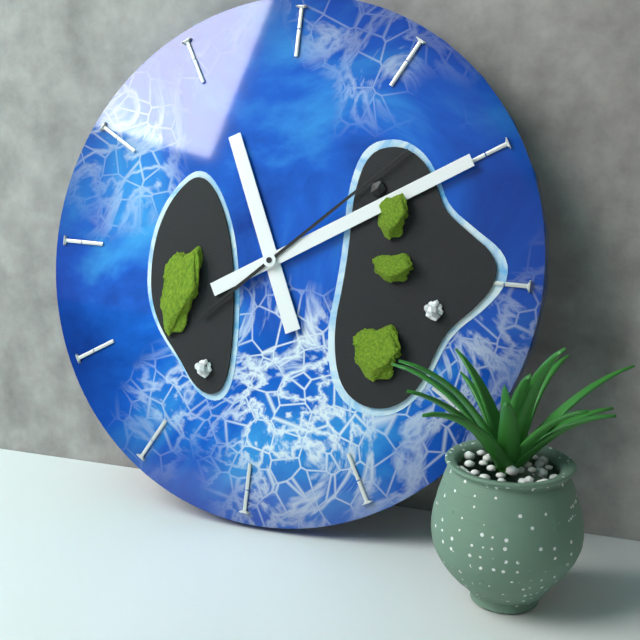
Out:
11.10.08
